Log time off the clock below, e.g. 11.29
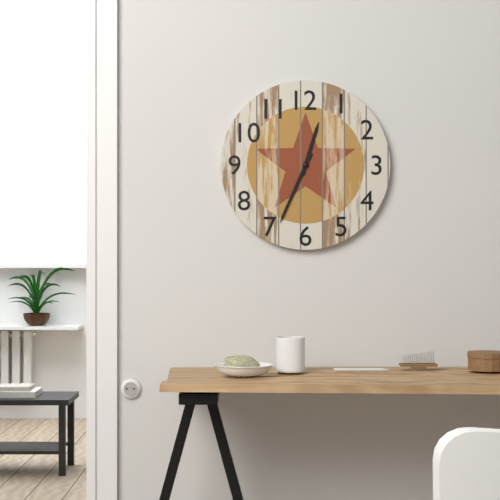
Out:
12.34
